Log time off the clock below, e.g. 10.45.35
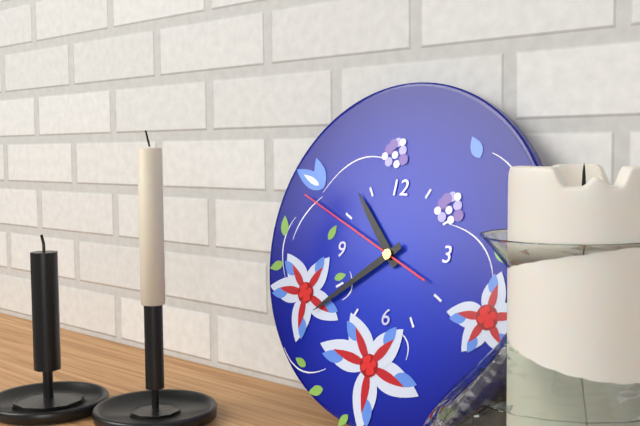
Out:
10.39.49
